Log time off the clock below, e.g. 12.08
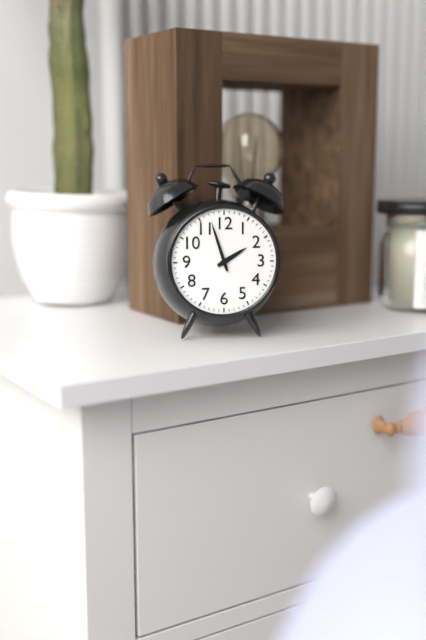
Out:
1.57
